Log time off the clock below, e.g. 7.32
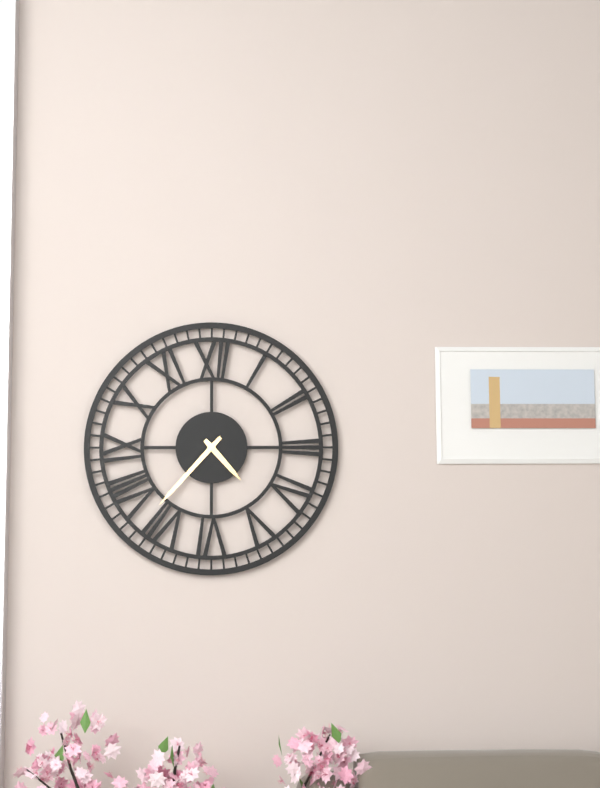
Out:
4.37
